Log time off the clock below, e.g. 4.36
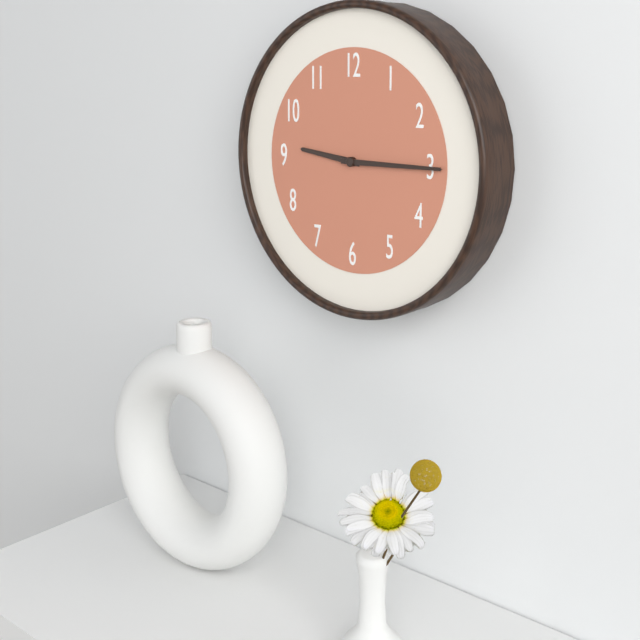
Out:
9.15
